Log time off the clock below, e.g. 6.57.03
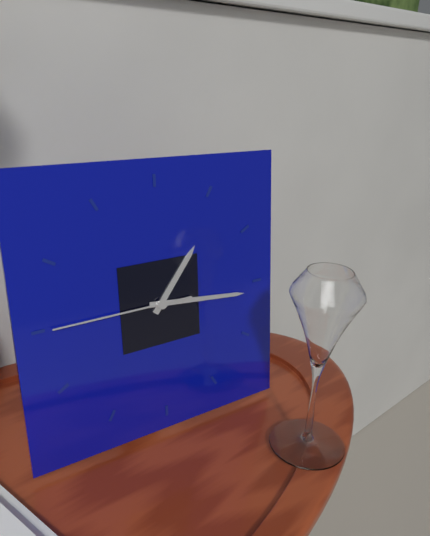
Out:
1.16.45
